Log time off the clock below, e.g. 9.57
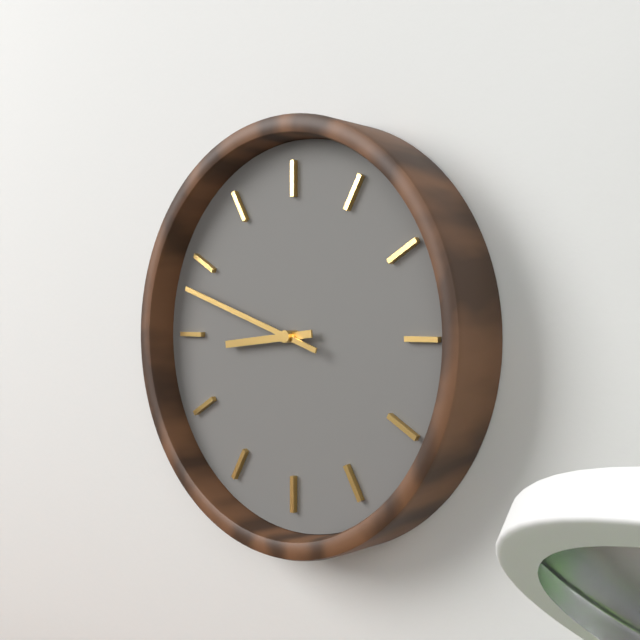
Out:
8.48
